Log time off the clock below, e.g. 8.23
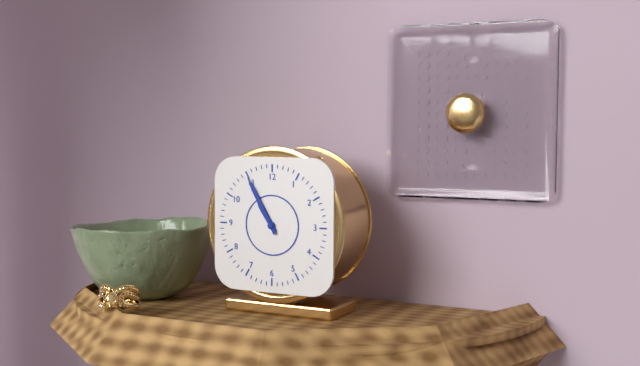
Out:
10.55
